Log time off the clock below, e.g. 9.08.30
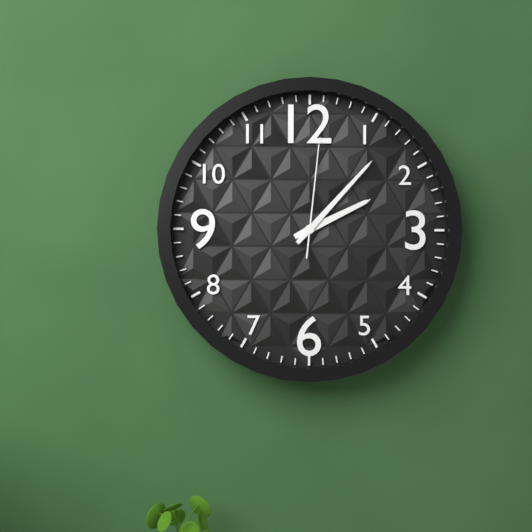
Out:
2.07.01
